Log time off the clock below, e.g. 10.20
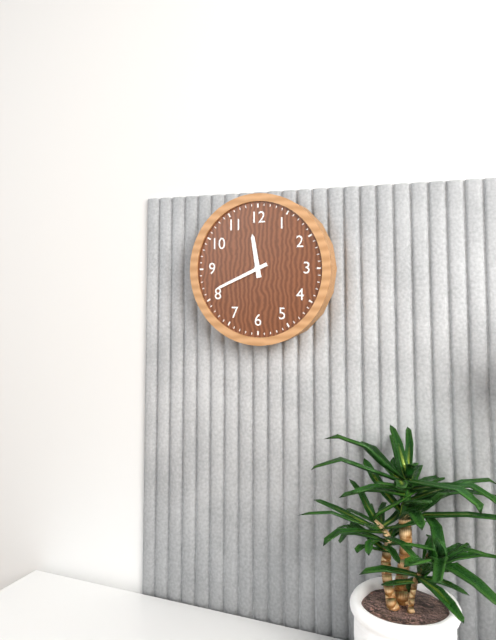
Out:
11.41
